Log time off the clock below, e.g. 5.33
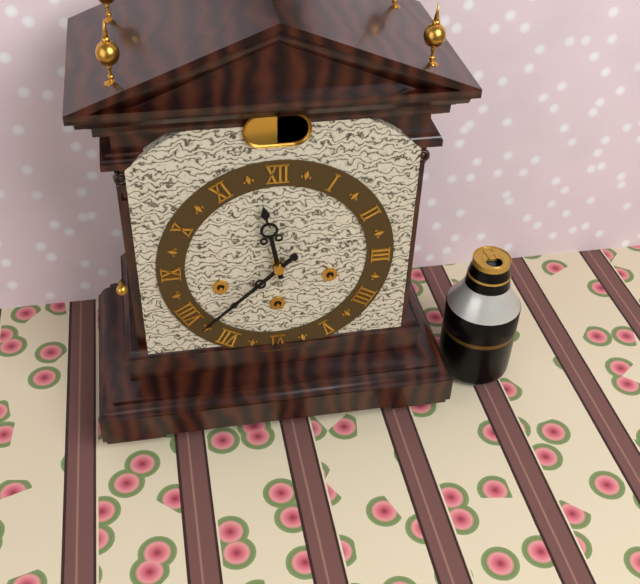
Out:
11.38
